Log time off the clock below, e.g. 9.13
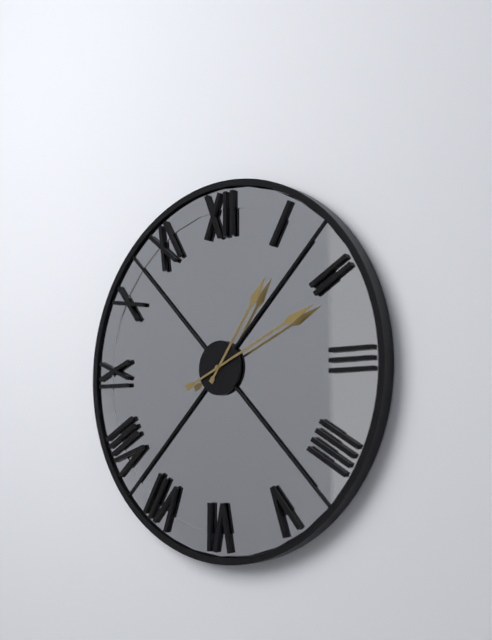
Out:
1.11
